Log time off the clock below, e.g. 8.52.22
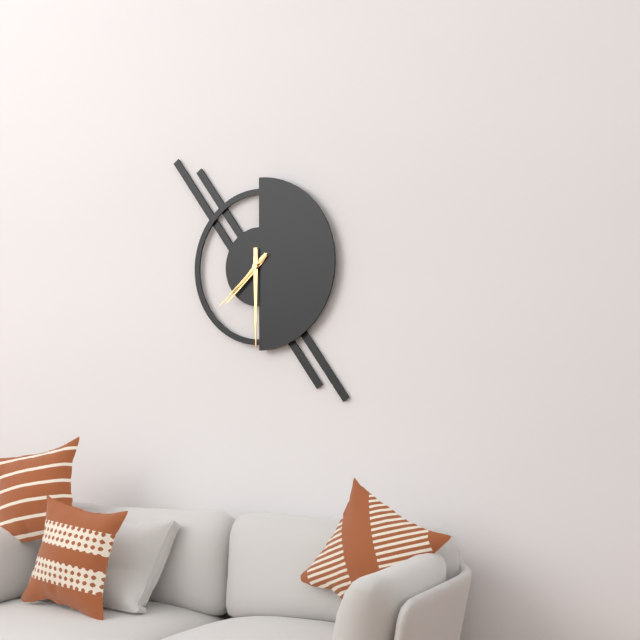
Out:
7.30.38
